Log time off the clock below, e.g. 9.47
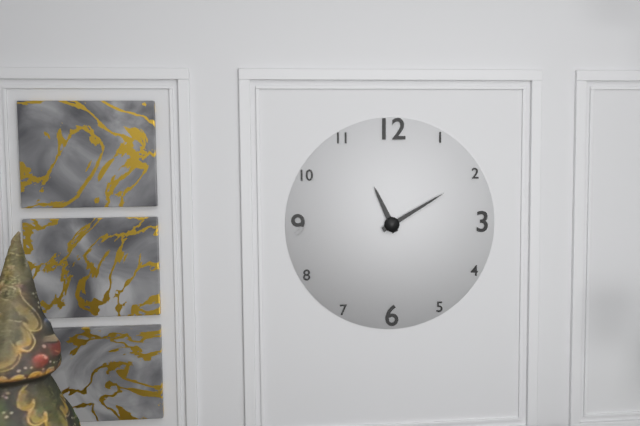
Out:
11.10
